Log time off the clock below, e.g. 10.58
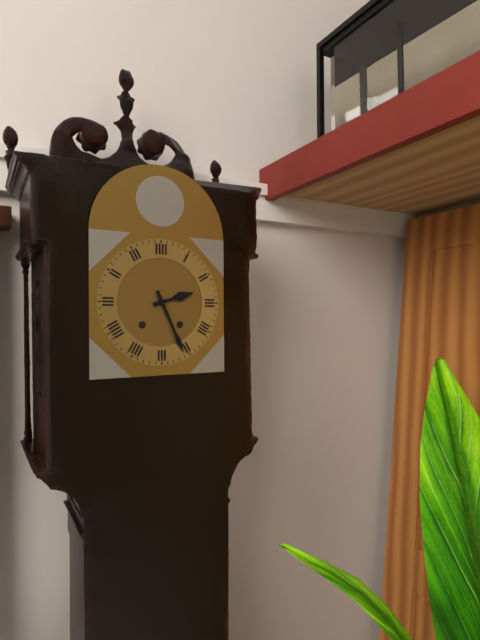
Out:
2.26
